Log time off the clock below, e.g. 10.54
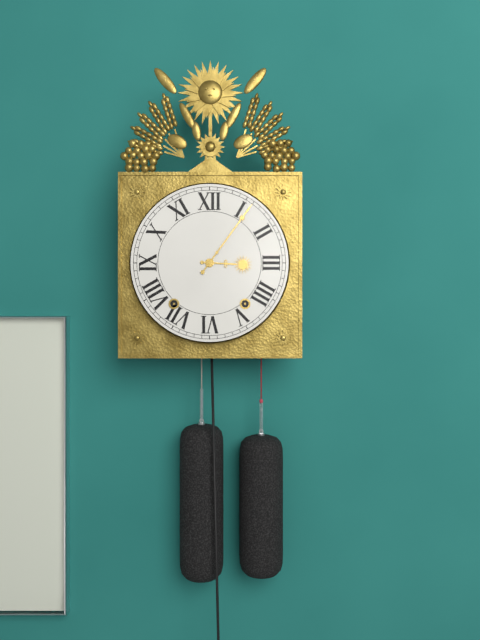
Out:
3.06
